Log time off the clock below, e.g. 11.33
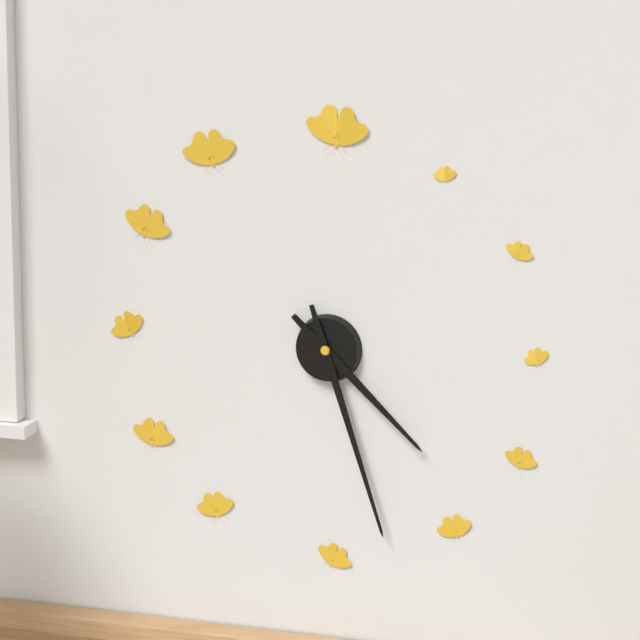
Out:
4.27
